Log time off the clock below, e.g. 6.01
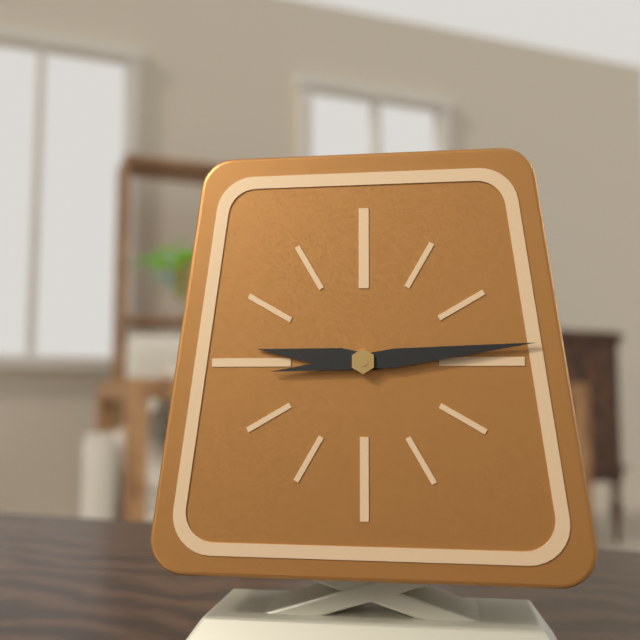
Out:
9.14
